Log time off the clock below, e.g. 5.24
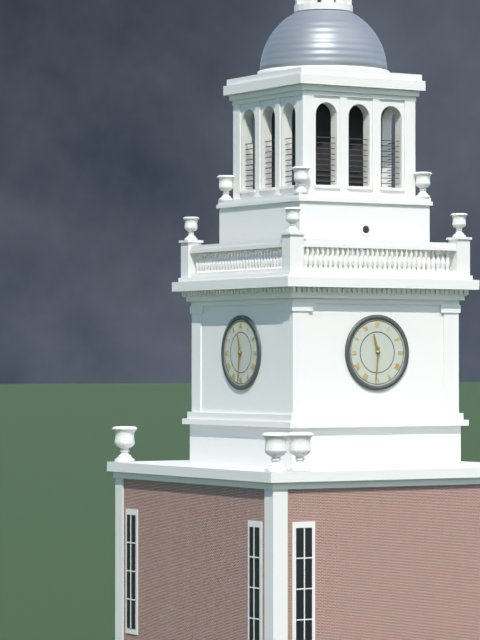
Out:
11.31
